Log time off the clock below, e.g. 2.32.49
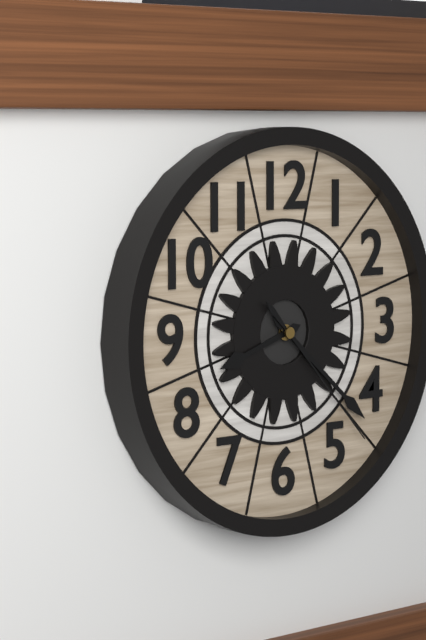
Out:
8.22.23
